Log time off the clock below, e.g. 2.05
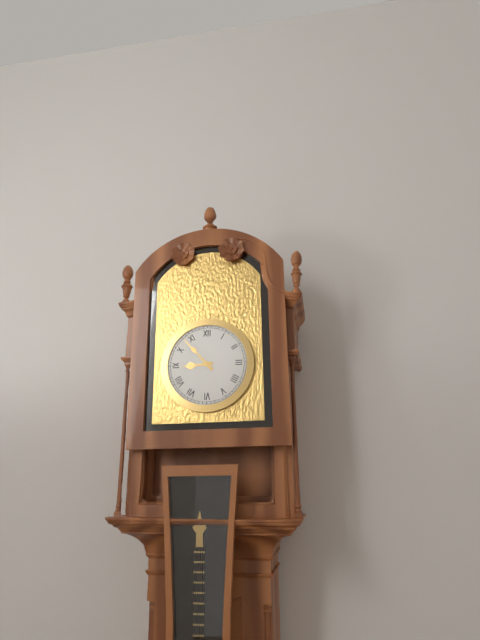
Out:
8.53
